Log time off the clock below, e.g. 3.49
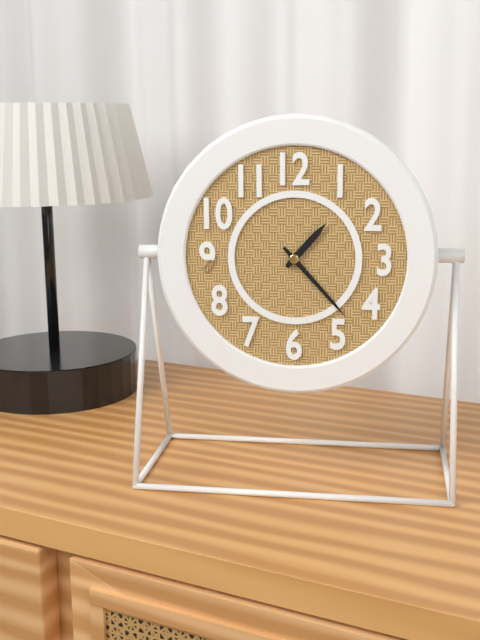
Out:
1.23
